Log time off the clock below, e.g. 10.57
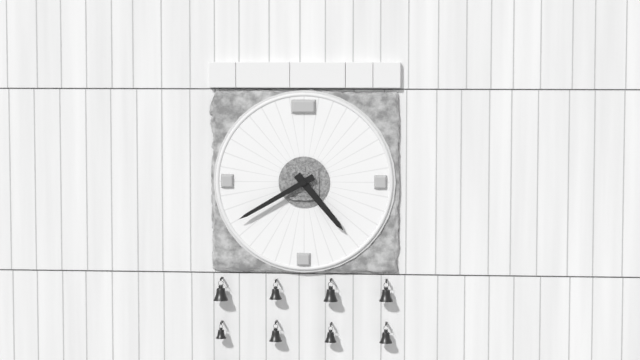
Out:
4.40
